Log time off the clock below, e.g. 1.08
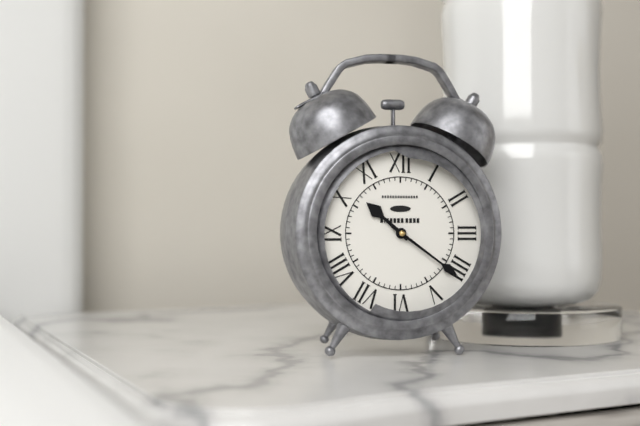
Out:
10.21
